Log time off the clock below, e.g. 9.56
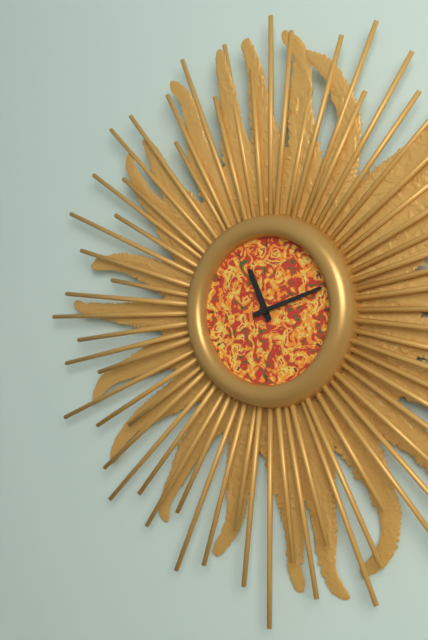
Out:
11.12
